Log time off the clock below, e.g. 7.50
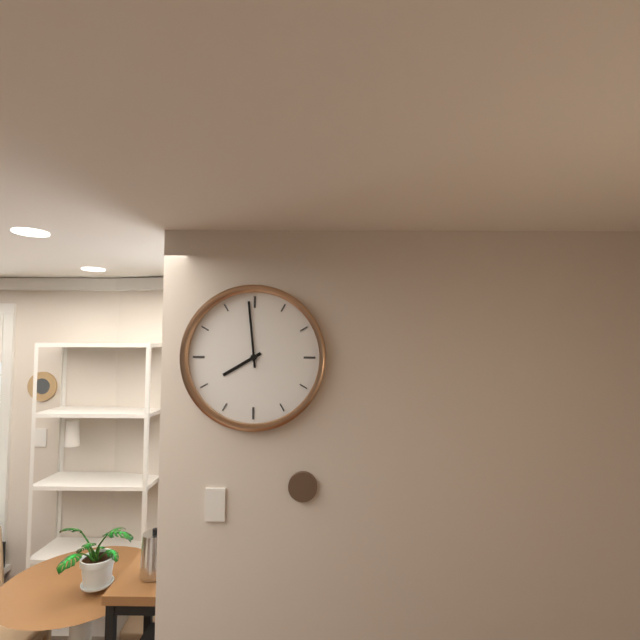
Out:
7.59
